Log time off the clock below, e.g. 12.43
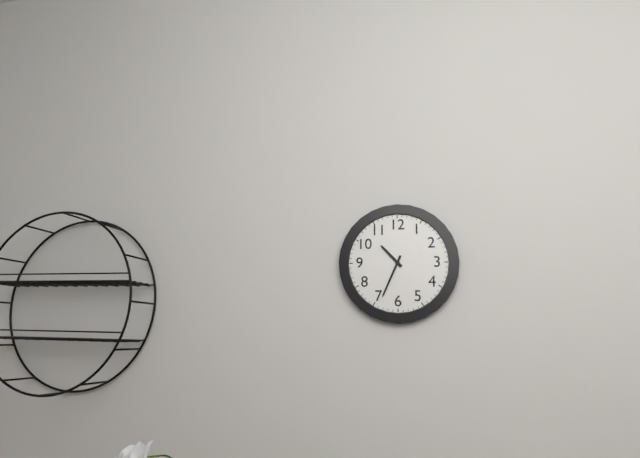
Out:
10.34
